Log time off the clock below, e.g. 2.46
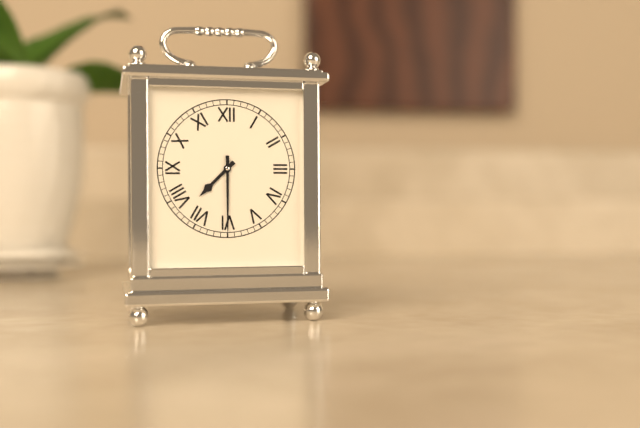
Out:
7.30
